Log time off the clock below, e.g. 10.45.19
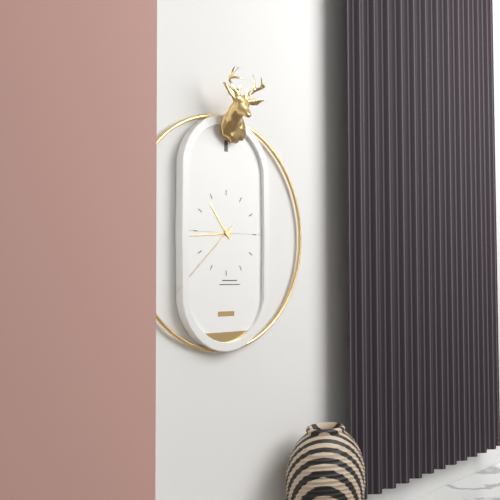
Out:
10.44.38
